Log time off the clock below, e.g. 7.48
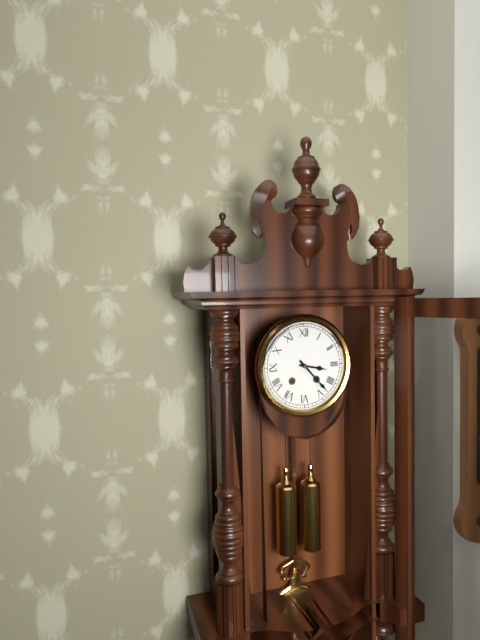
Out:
3.23
